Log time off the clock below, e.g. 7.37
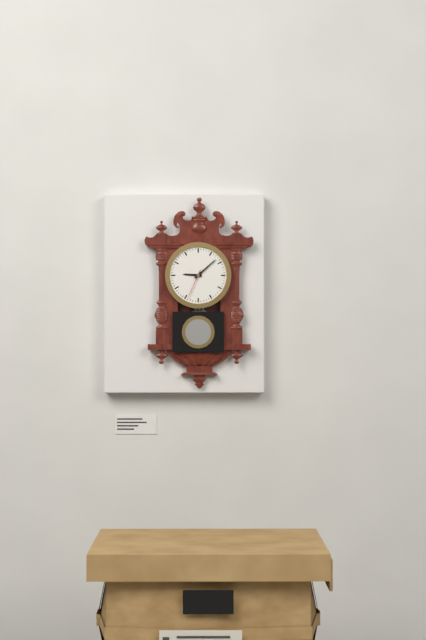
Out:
9.08
